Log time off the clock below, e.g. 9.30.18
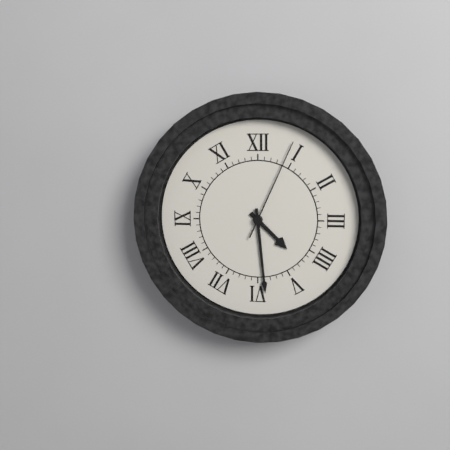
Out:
4.29.04
